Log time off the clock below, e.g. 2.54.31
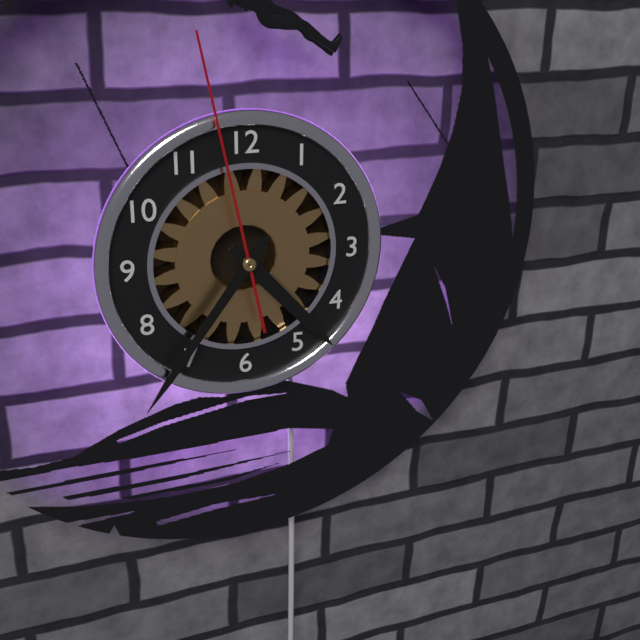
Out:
4.36.58
